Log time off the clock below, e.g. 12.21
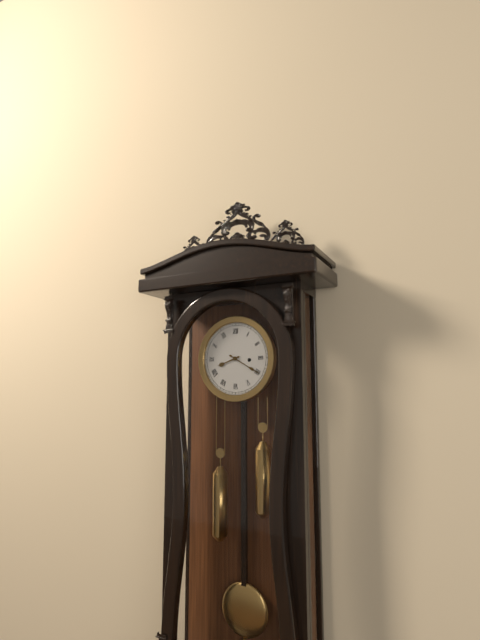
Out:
8.20
